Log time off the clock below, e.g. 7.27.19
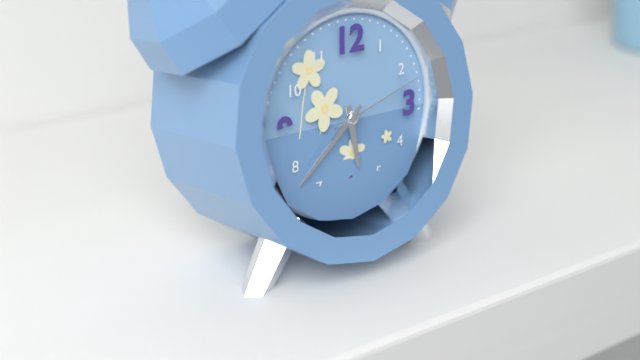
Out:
5.38.12
